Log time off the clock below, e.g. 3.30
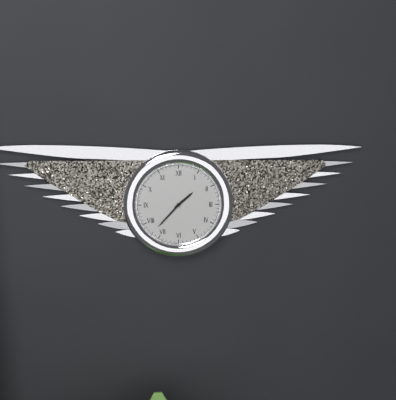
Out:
1.37
